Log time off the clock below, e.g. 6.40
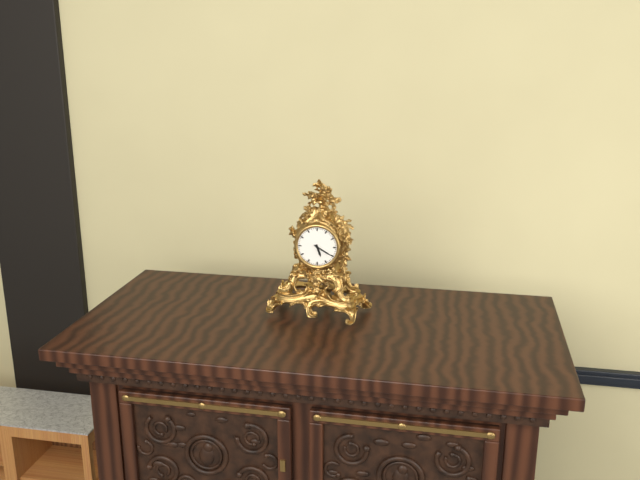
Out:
5.20
